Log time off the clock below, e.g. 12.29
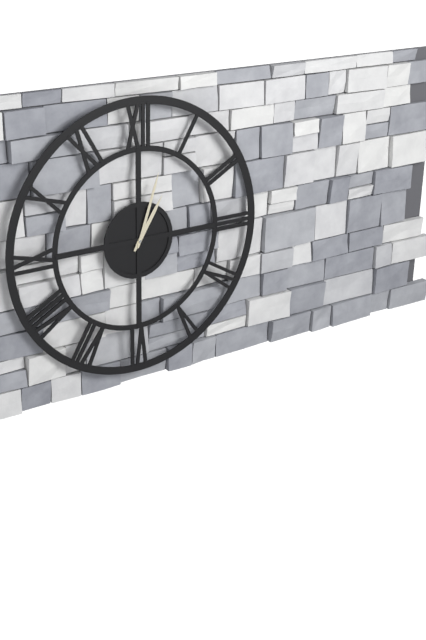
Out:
1.03
